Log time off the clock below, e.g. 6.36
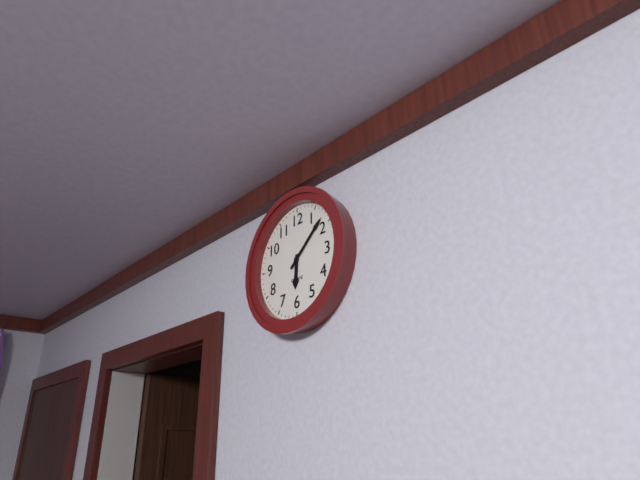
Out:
6.08
